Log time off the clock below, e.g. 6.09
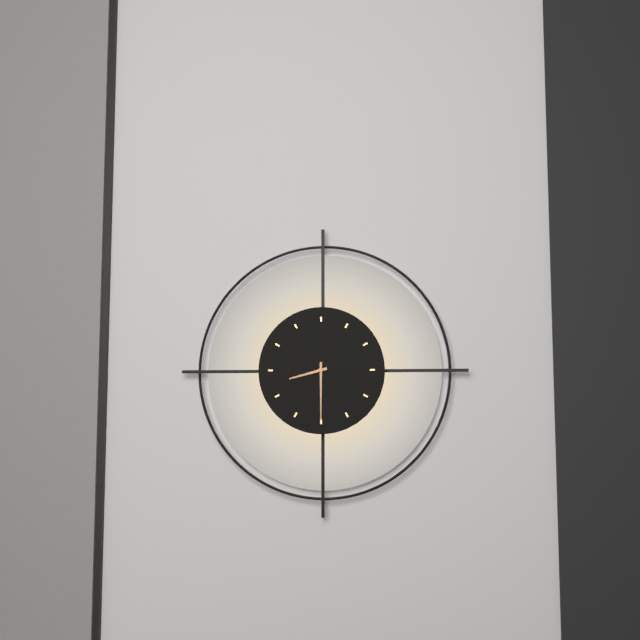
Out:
8.30
